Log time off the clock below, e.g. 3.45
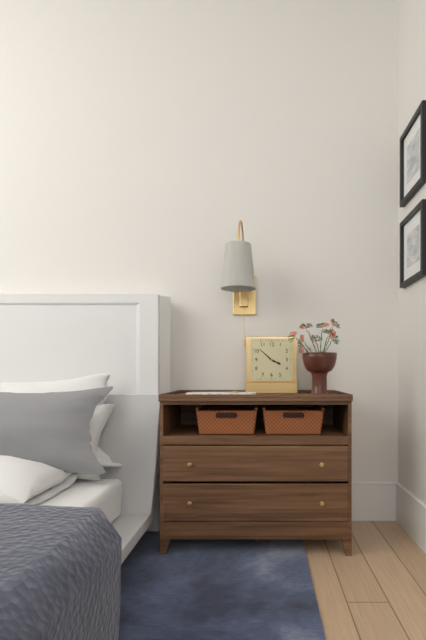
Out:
3.52
